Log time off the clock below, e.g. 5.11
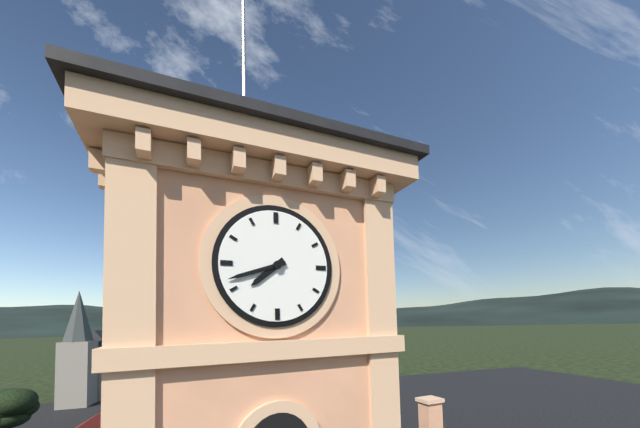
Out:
7.42
